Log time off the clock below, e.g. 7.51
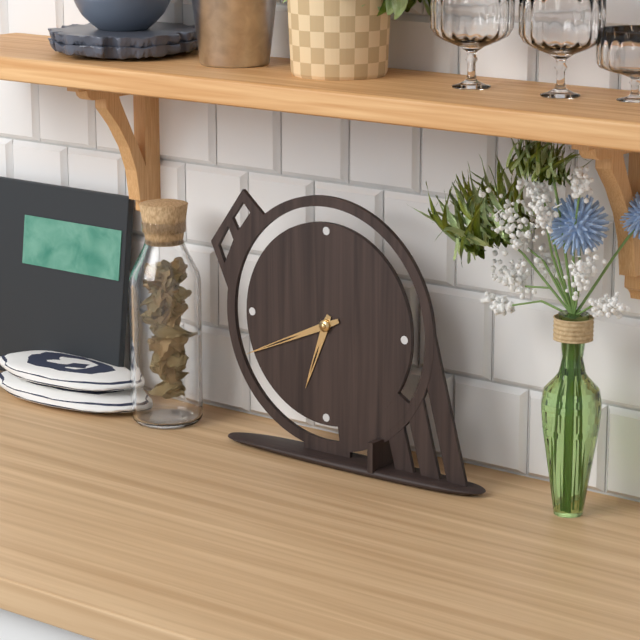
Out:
6.41
